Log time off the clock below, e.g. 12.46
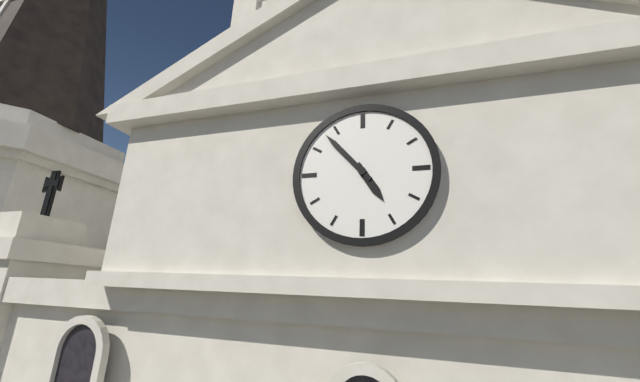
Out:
4.53
